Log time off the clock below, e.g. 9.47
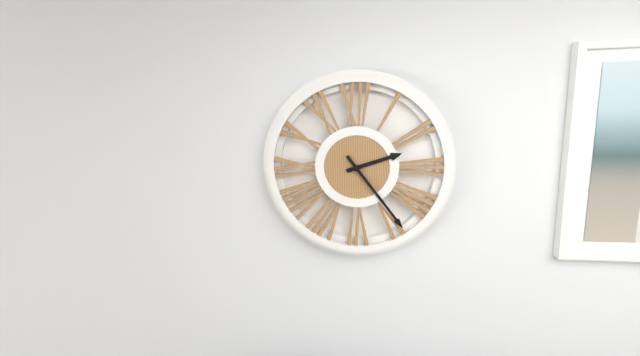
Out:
2.24
